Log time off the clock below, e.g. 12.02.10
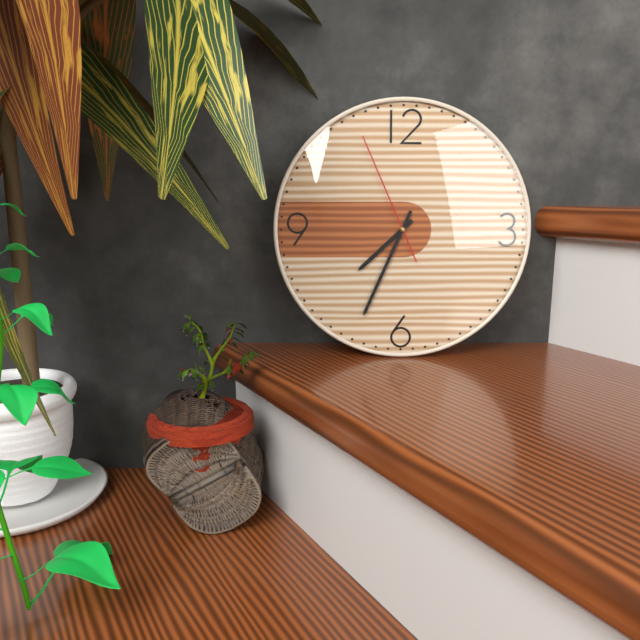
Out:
7.34.56
